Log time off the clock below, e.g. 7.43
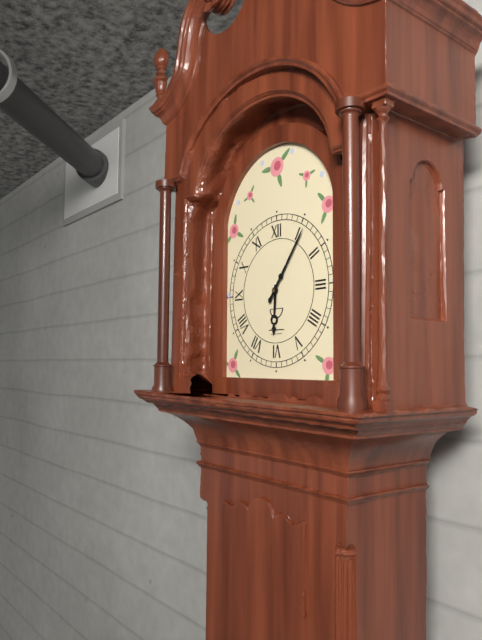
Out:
6.06
